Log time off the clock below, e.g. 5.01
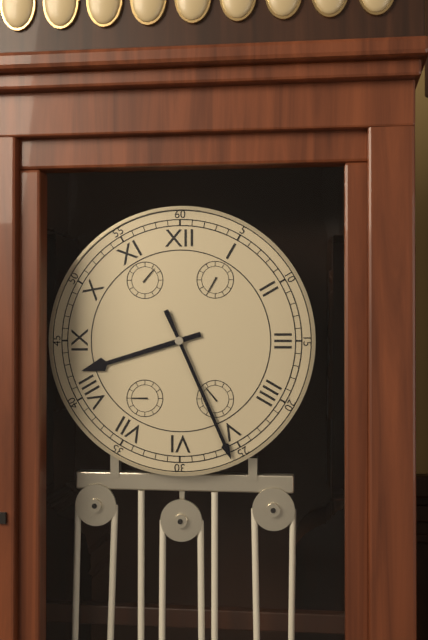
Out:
8.26
